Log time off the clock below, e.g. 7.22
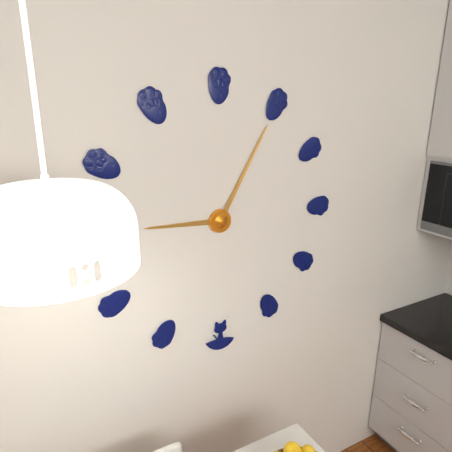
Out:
9.05
